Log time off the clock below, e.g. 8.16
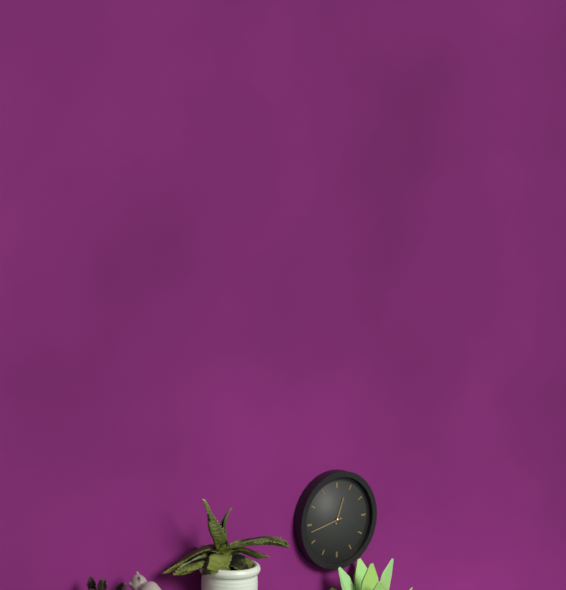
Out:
12.43
